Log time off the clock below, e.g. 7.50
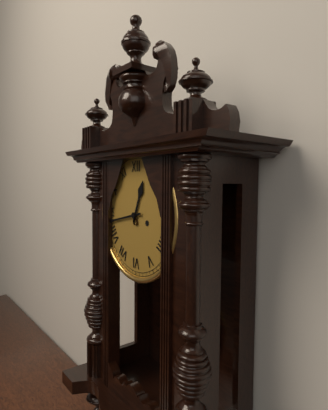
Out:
12.43
